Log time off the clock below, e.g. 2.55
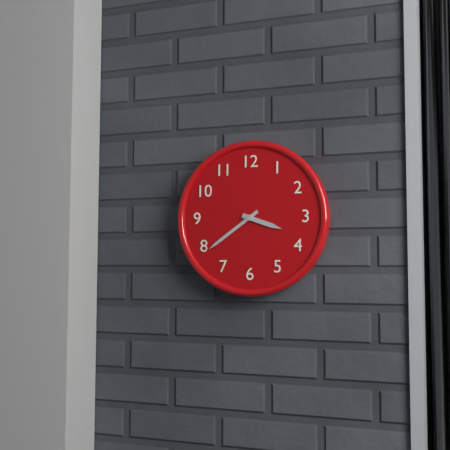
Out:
3.39
